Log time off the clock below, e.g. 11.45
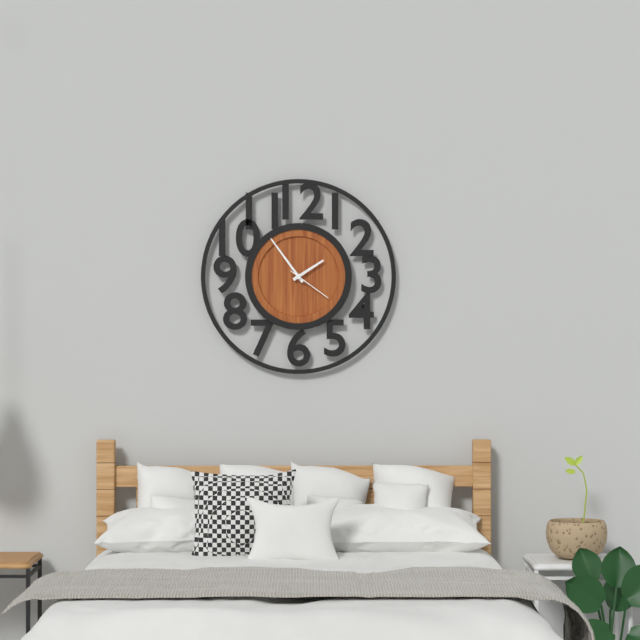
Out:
1.54
